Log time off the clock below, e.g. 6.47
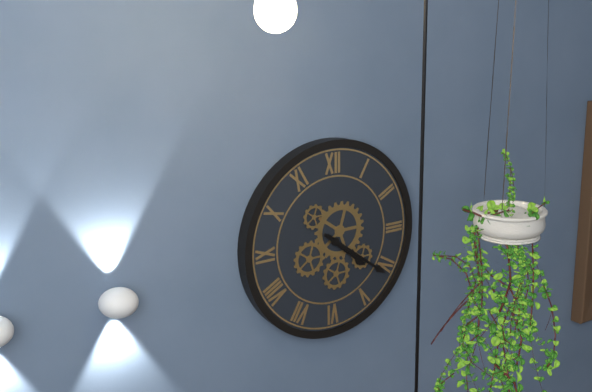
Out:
4.21
